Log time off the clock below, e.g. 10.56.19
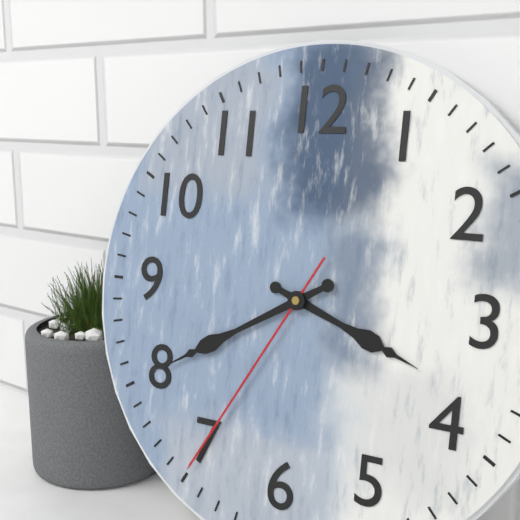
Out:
3.40.35
